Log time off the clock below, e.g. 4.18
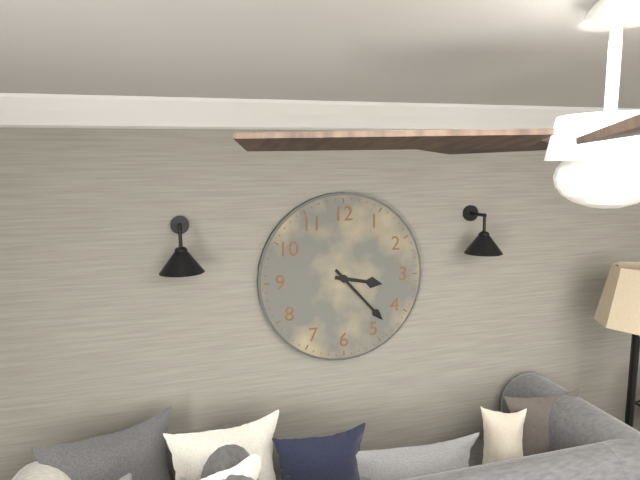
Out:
3.23
